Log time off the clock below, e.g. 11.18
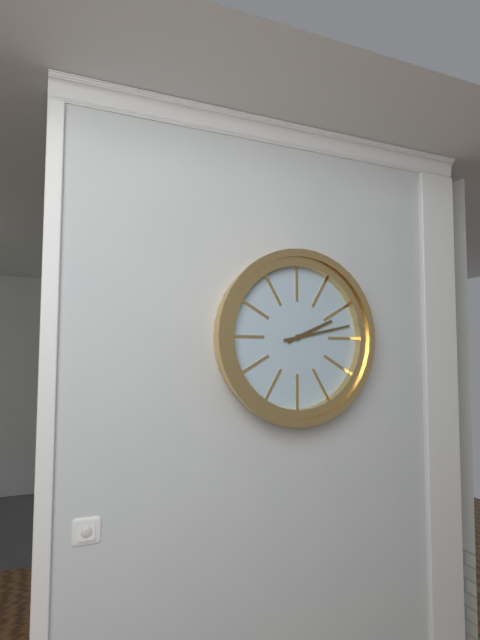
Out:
2.13
